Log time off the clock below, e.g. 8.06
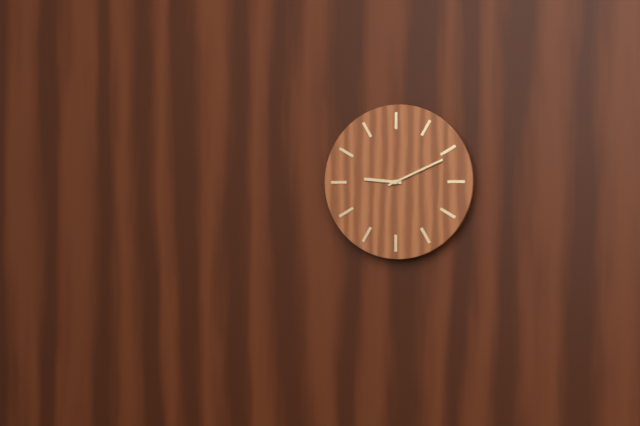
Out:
9.11
